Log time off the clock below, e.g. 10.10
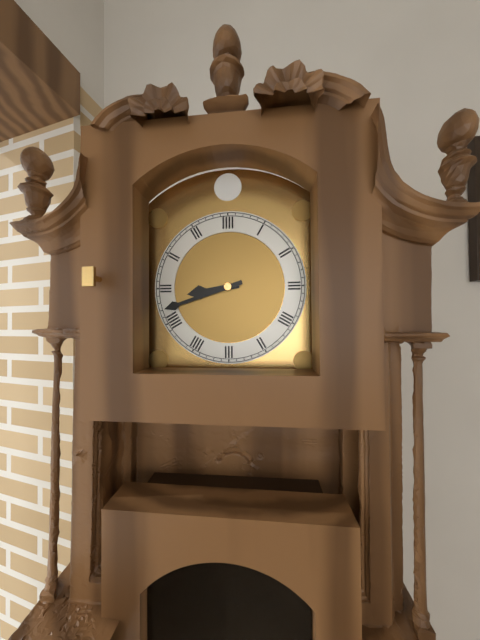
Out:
8.42
